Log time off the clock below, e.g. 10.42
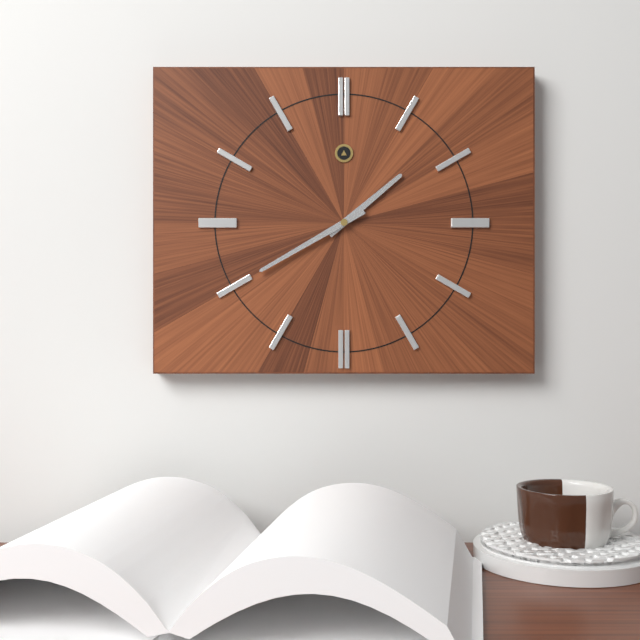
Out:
1.40
